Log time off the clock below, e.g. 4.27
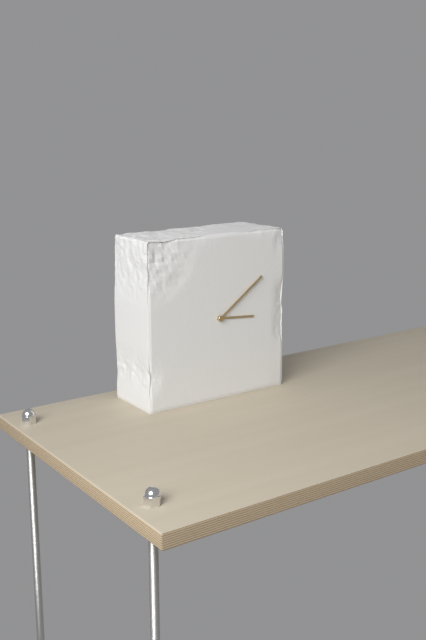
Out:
3.09
